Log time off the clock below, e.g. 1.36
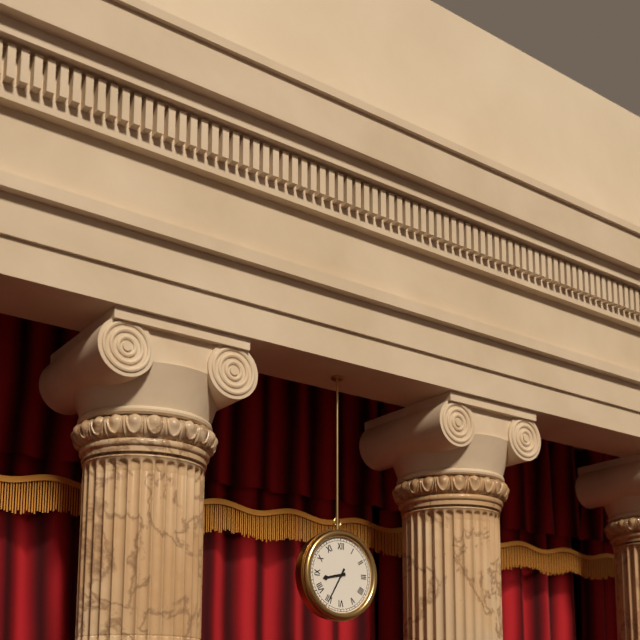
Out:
8.35
